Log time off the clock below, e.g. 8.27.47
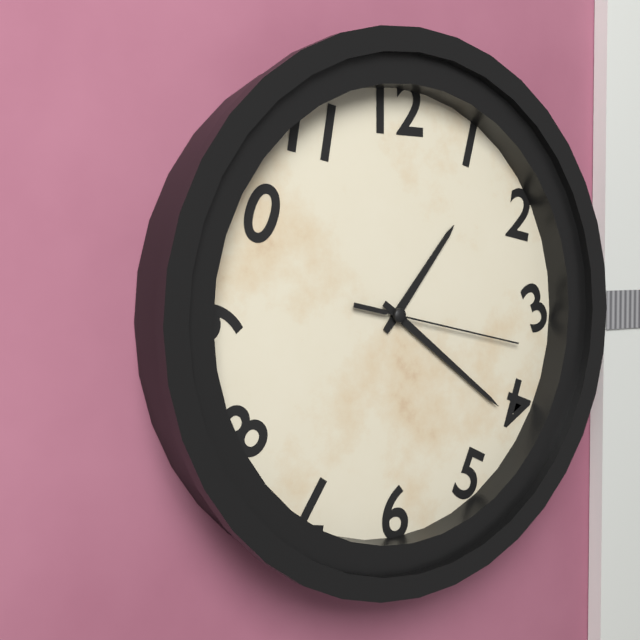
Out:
1.21.17
